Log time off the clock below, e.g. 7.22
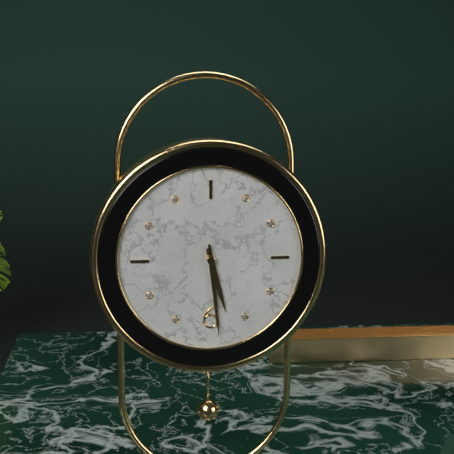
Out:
5.29
